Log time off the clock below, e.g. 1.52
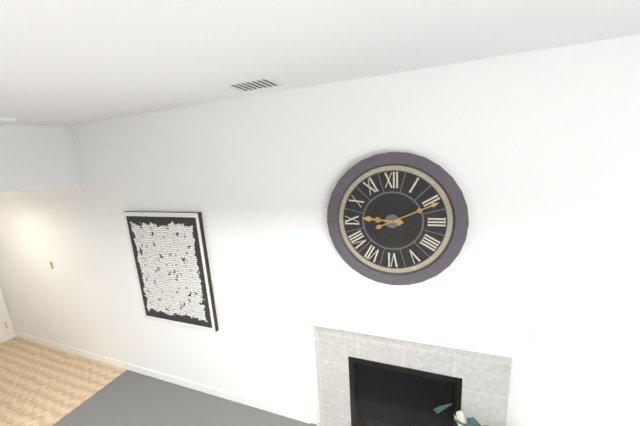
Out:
9.11
